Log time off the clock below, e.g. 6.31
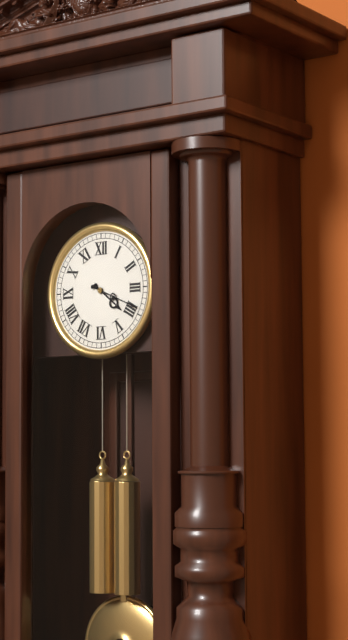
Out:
4.19
